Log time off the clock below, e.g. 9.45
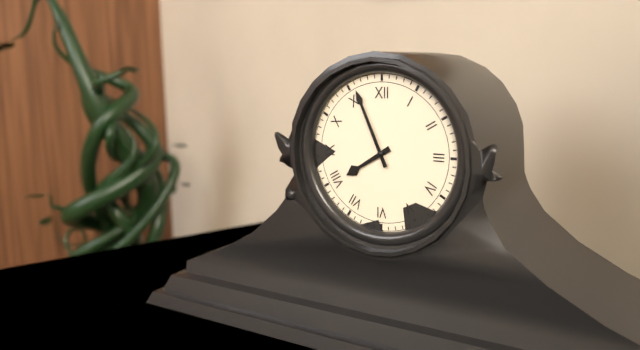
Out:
7.56
